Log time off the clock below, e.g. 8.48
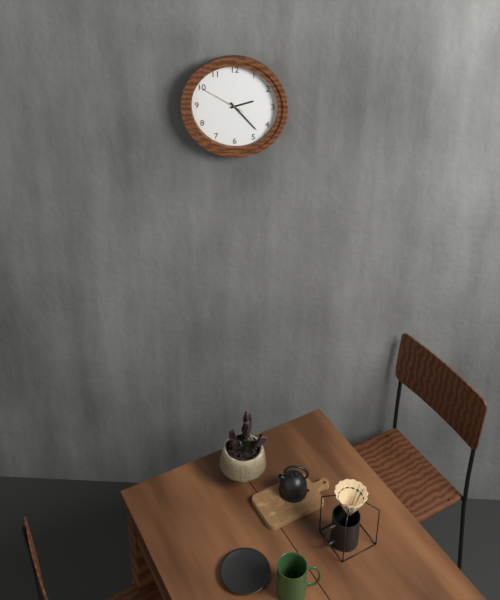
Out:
2.23
